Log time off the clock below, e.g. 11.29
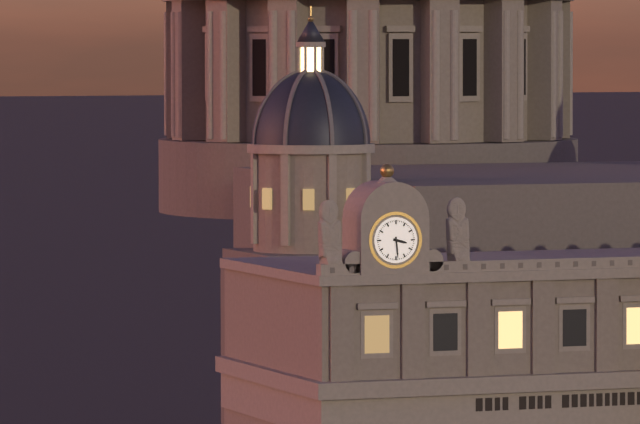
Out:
3.29
